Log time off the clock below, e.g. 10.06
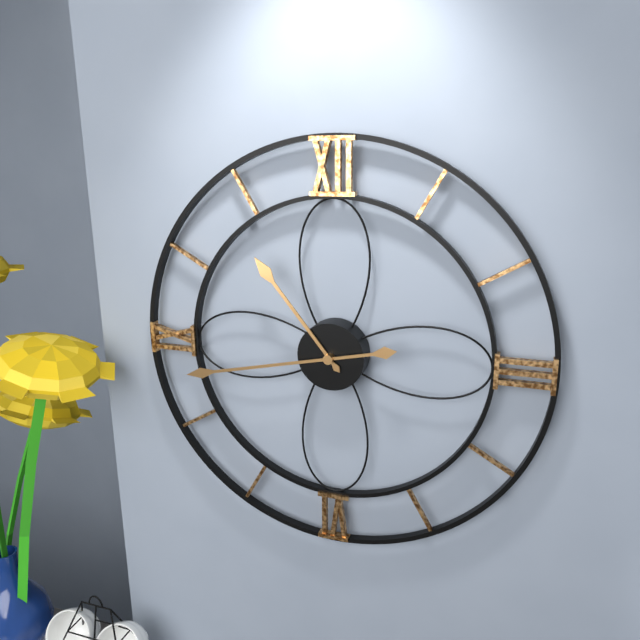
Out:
10.43
